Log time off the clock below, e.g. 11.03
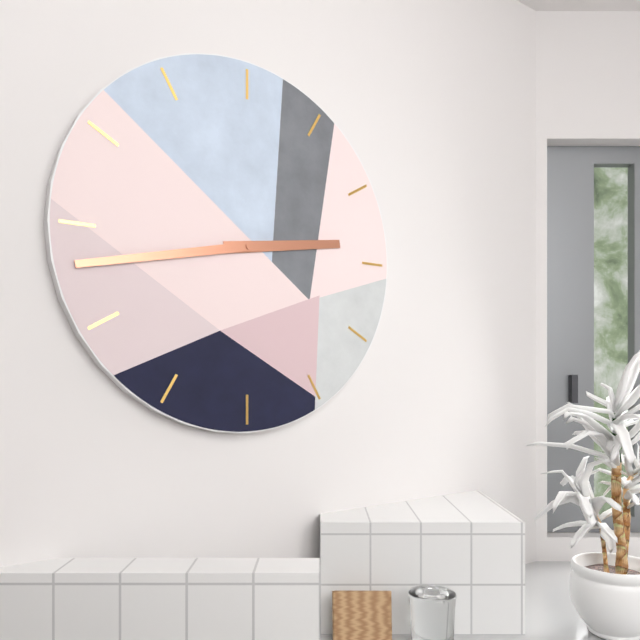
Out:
2.43
